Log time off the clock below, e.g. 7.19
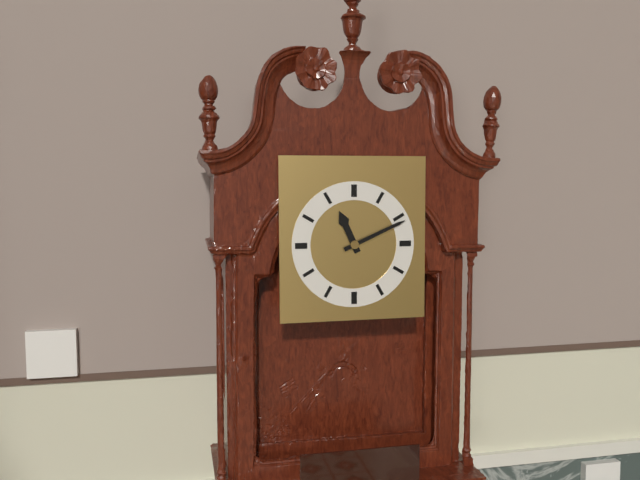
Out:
11.11
